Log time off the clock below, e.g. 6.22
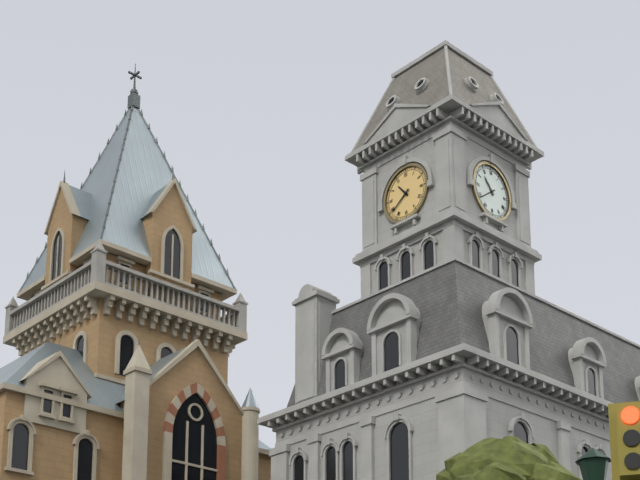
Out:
10.39
